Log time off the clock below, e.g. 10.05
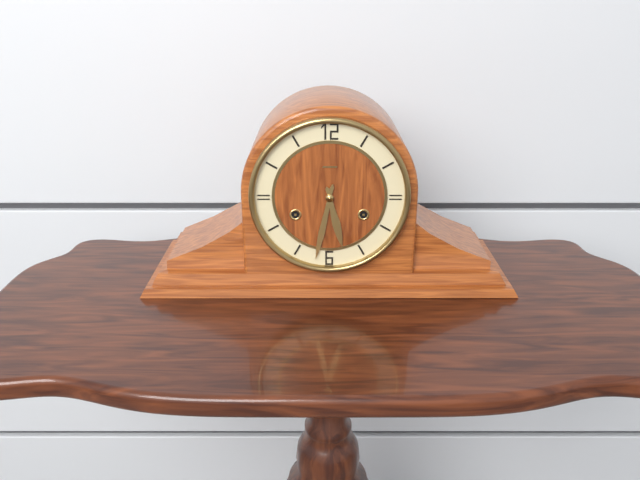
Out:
5.32
